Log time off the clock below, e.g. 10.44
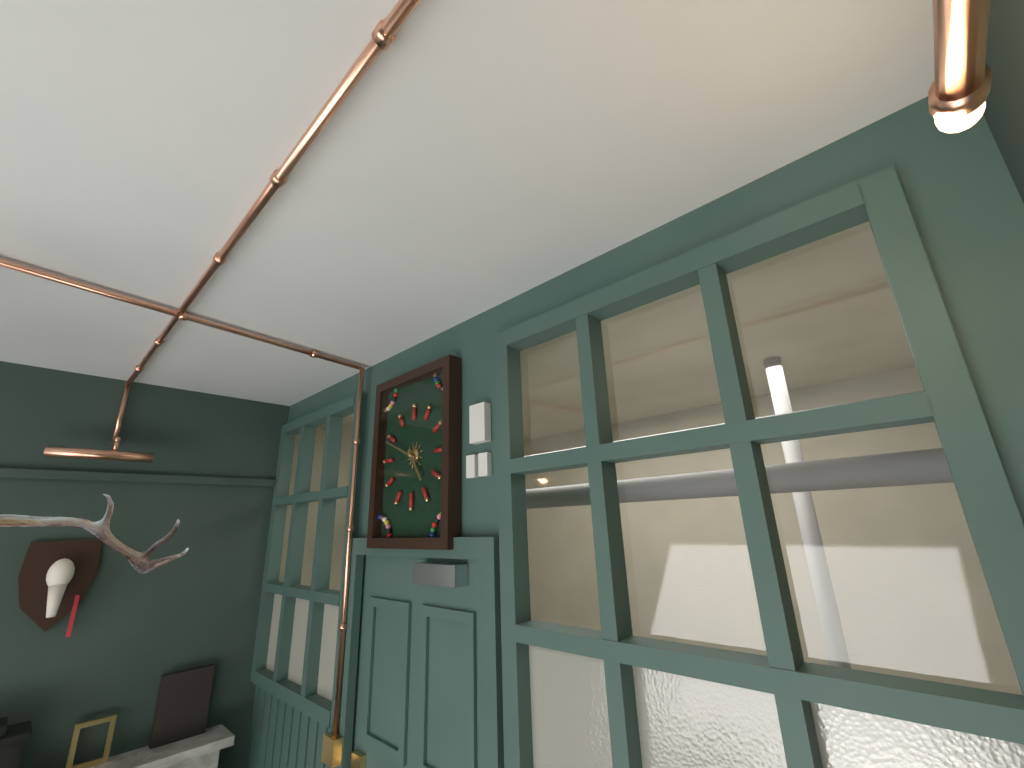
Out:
4.49
